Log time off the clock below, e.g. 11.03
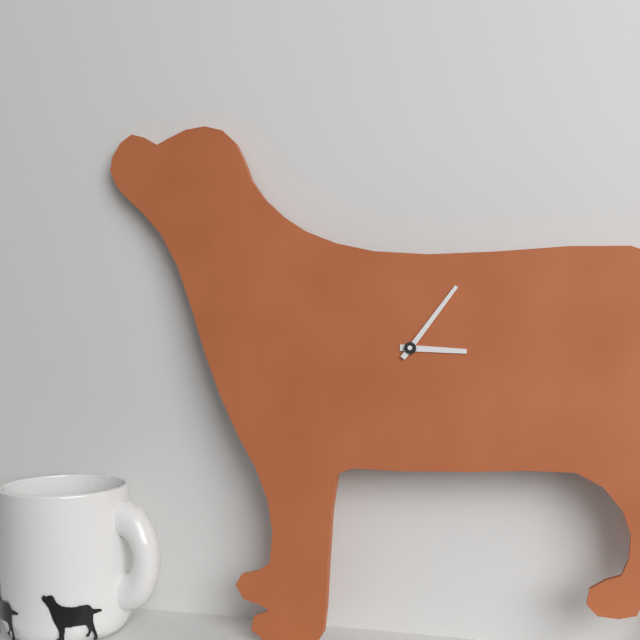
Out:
3.06
